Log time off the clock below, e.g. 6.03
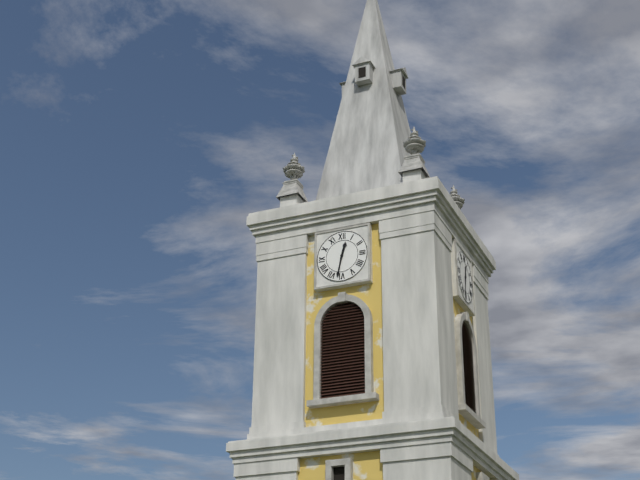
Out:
12.32
